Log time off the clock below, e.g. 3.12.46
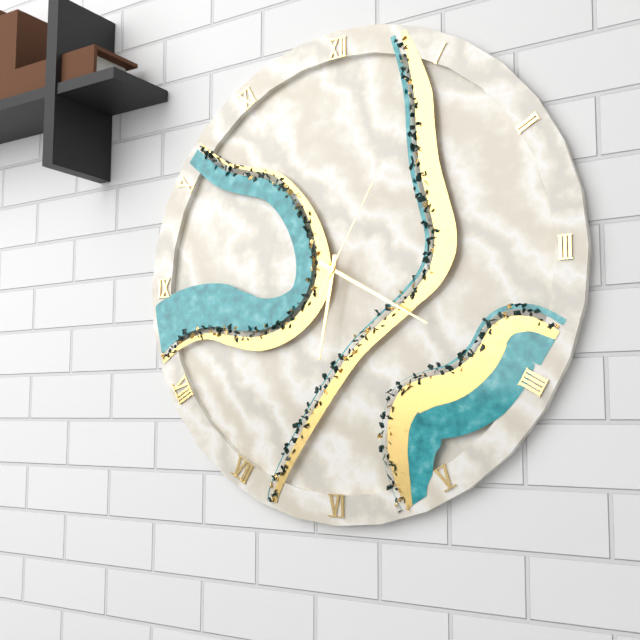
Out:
6.20.05
